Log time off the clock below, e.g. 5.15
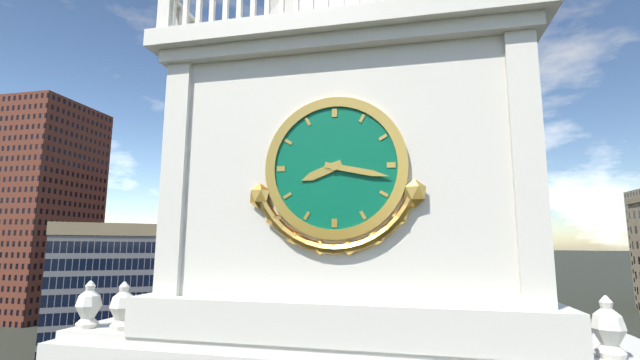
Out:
8.17
